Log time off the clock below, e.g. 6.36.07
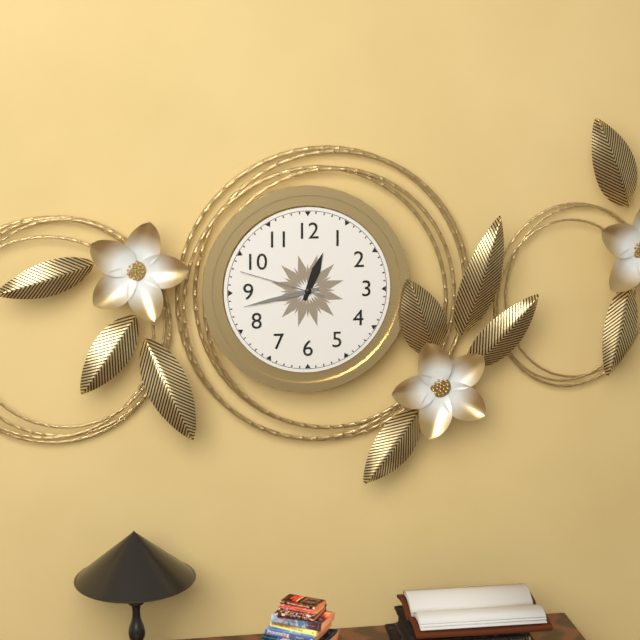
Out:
12.43.48
